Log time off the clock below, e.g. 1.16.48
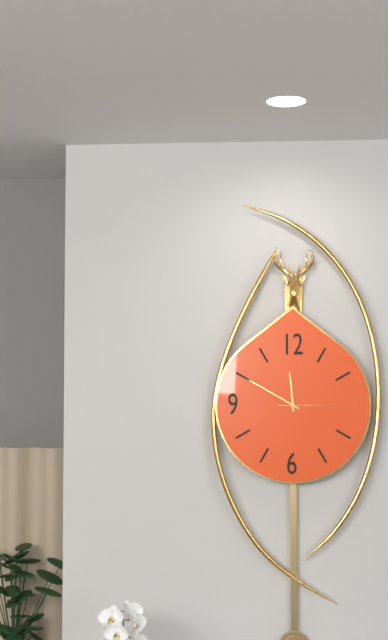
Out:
11.50.15
